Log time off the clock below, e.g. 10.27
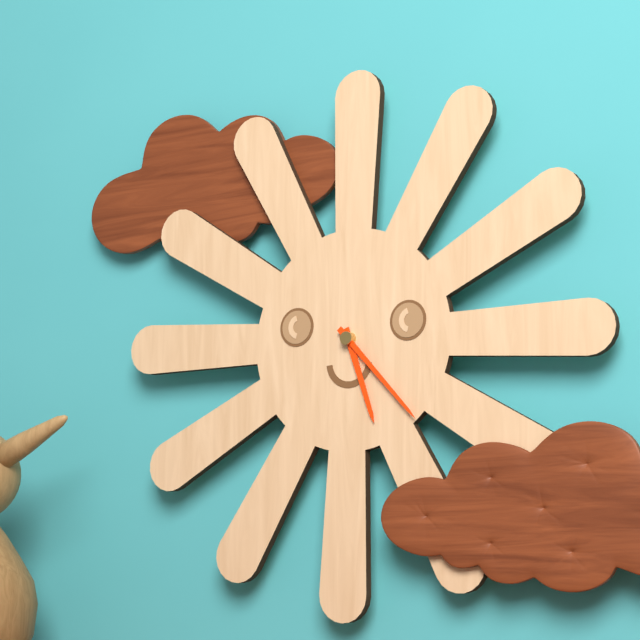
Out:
5.23
